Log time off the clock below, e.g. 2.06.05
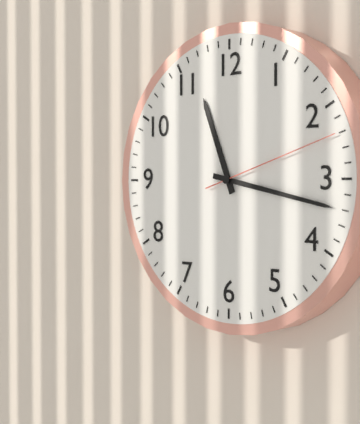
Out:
11.17.12
